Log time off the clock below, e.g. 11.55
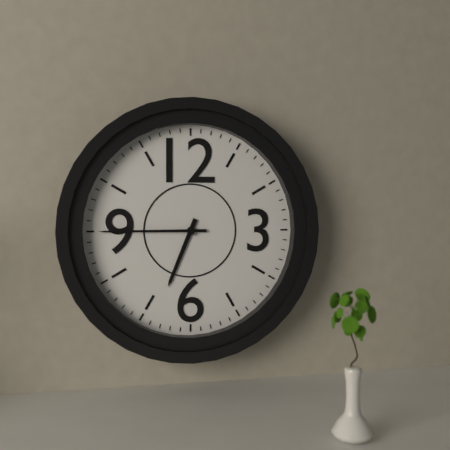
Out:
6.45
